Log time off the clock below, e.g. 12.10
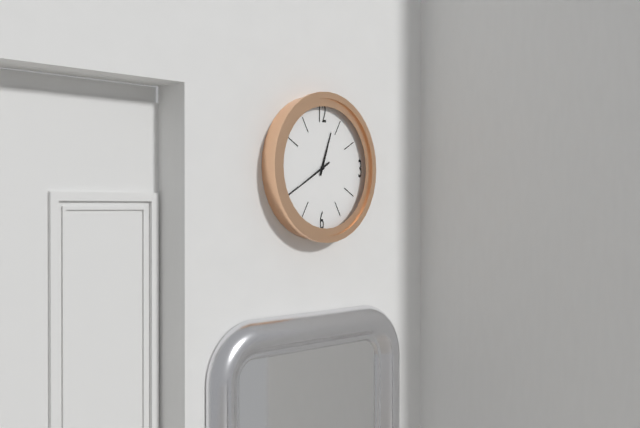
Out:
12.40
